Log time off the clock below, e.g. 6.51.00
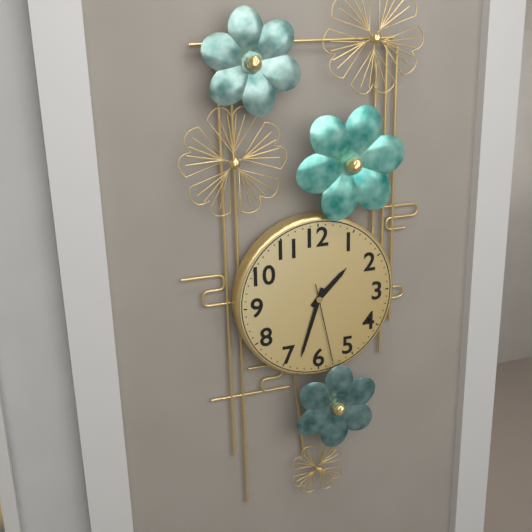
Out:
1.33.28
